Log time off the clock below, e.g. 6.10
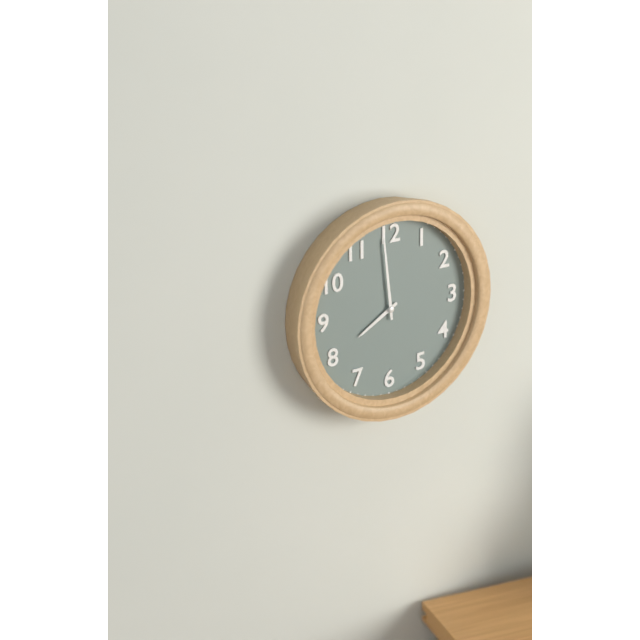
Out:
7.59
